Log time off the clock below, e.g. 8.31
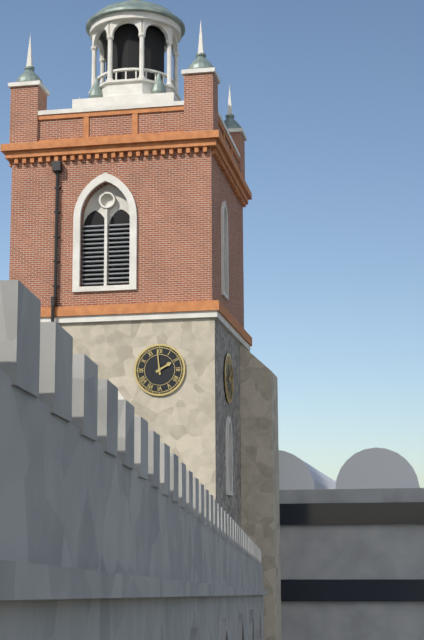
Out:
1.59
